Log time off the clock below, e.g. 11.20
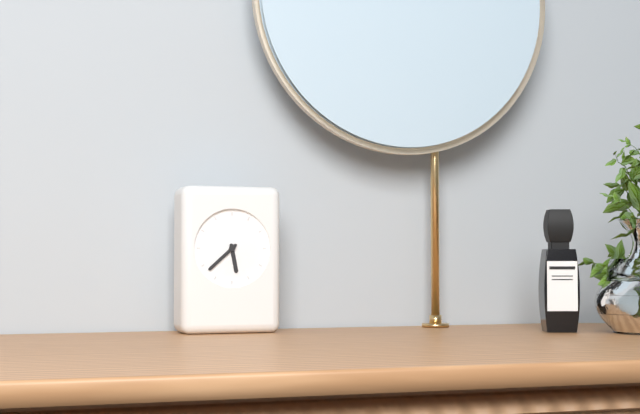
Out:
5.38
